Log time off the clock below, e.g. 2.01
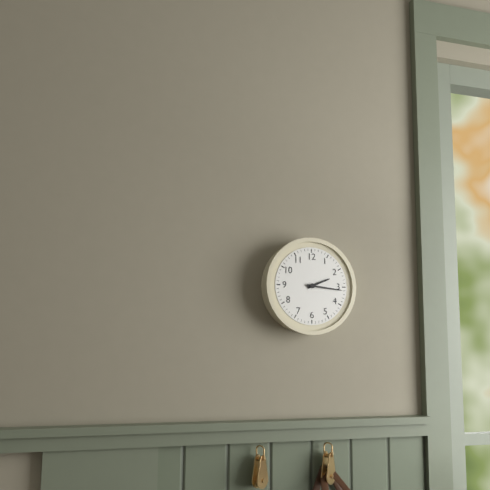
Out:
2.16
